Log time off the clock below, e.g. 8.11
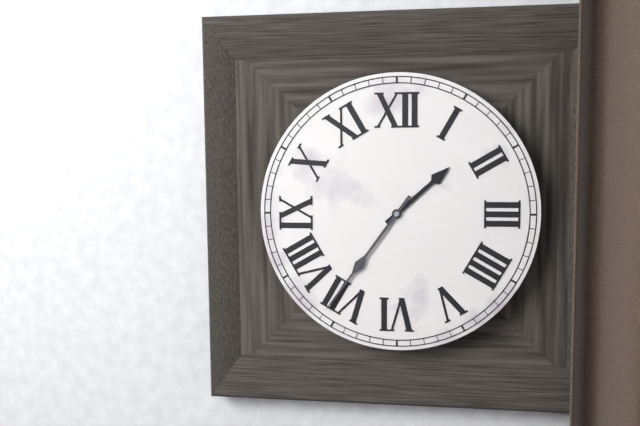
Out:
1.36
